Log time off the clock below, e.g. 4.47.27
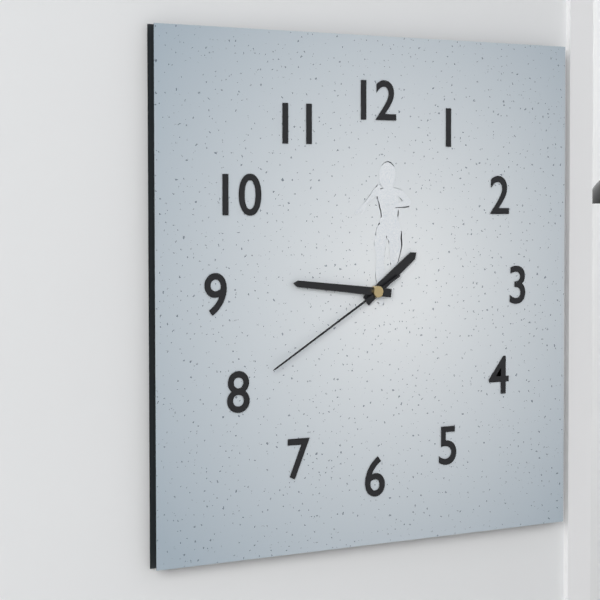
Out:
1.46.40
